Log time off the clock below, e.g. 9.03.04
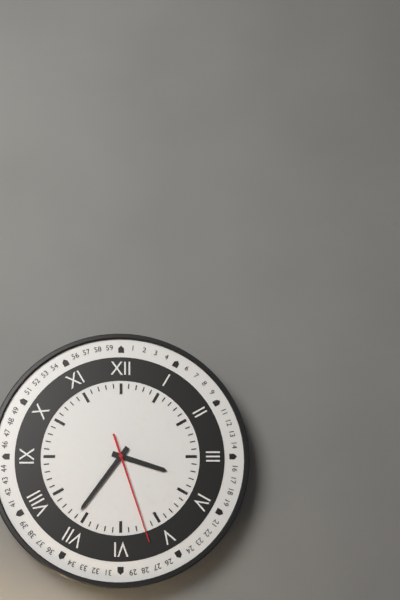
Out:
3.36.27
